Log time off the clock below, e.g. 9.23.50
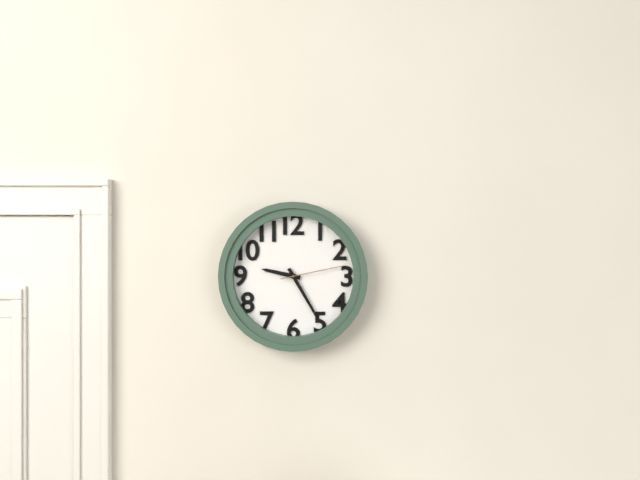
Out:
9.25.13
